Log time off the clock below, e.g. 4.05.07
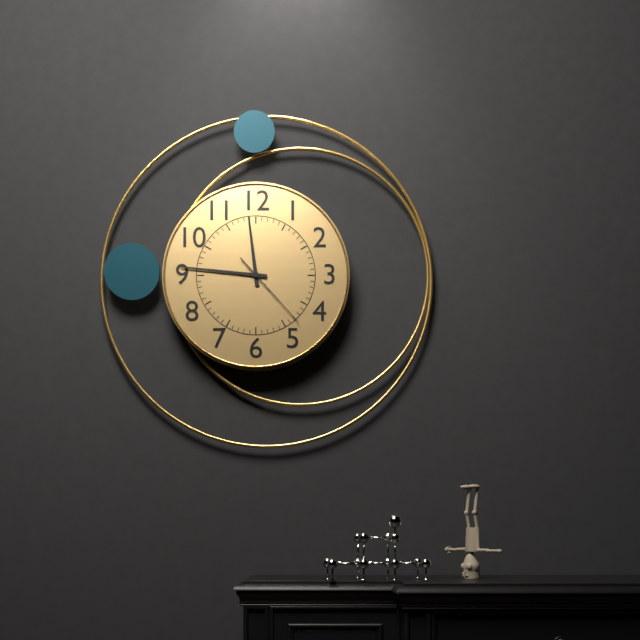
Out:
11.46.23
